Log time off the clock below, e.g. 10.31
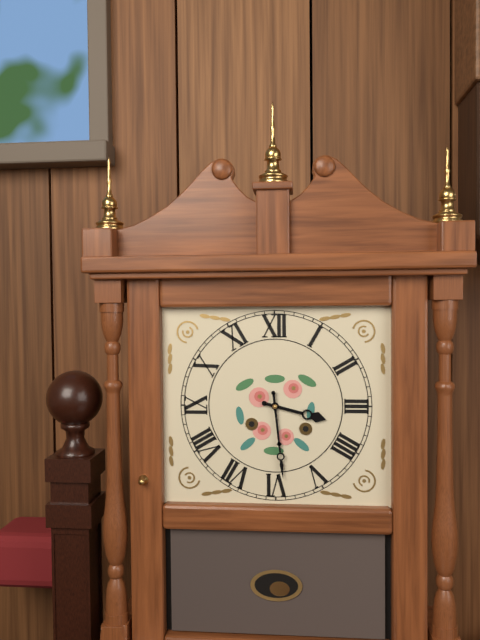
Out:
3.29
